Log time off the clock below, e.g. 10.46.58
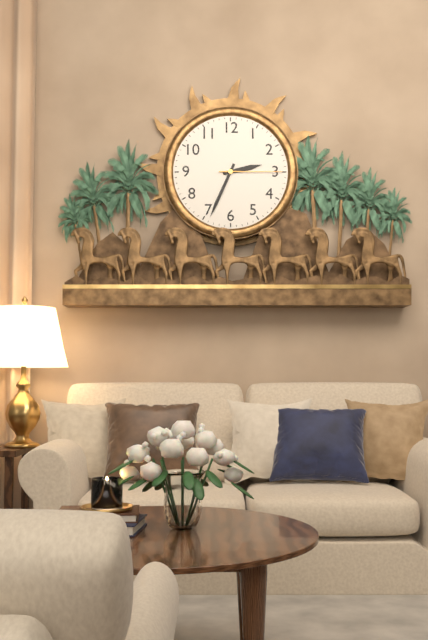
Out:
2.34.15
